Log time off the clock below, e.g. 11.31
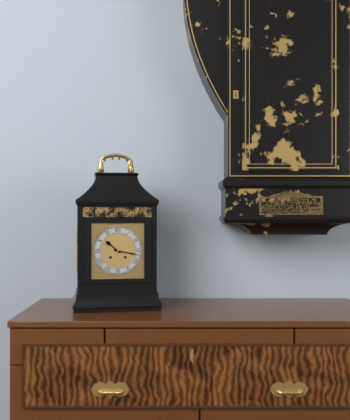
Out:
10.17
